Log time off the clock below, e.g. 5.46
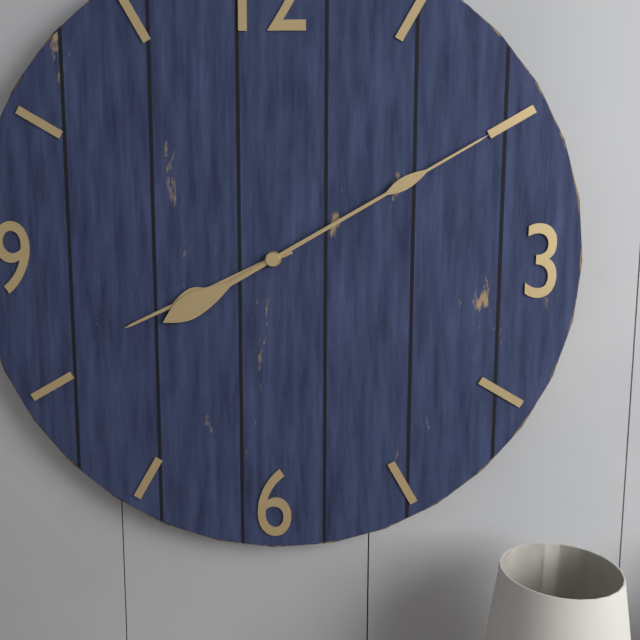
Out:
8.10
